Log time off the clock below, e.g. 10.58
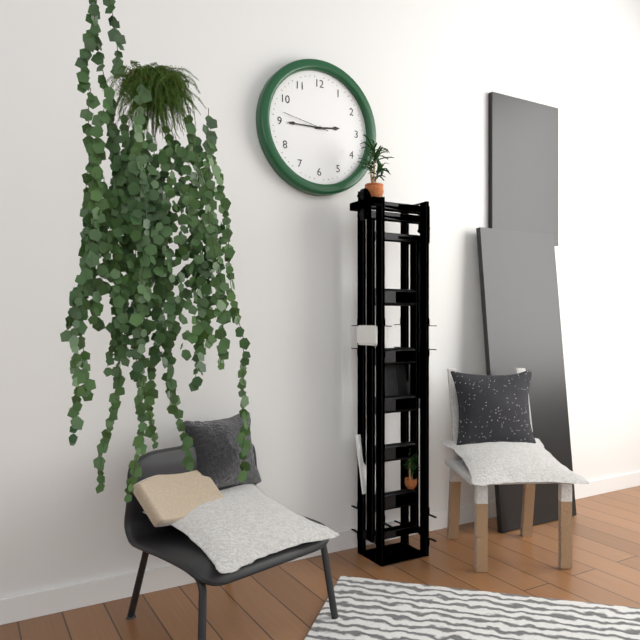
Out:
2.45
